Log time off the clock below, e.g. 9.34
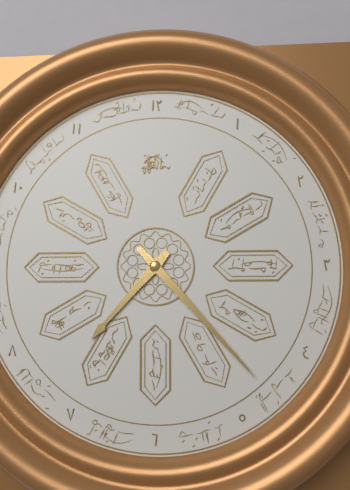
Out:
7.23
